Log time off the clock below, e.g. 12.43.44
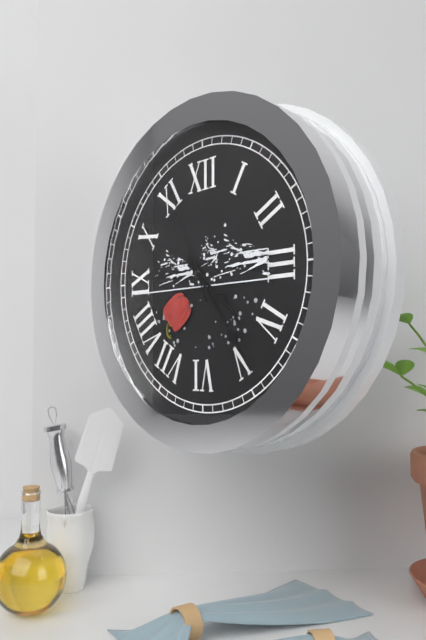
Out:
4.24.56
